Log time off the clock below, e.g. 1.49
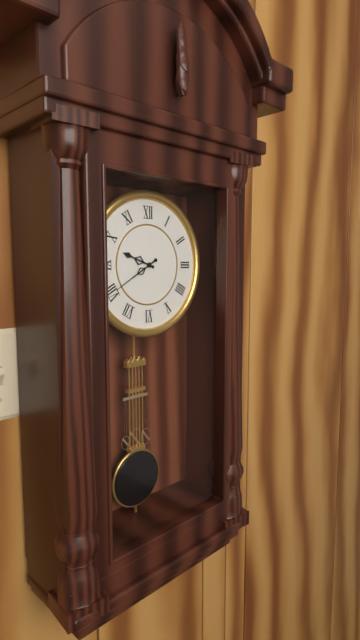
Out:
9.40
